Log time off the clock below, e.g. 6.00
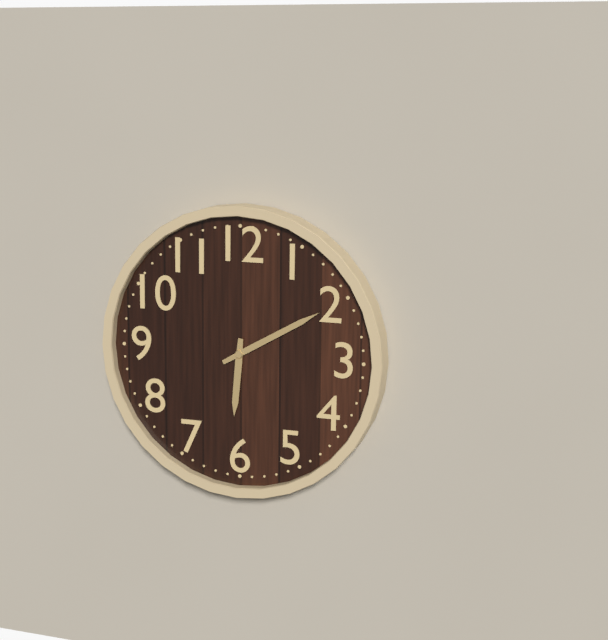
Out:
6.10
